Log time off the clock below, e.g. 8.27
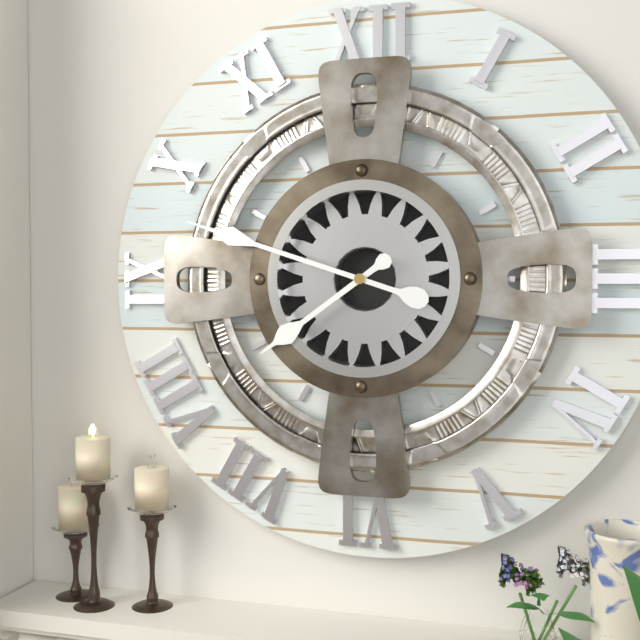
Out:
7.48
